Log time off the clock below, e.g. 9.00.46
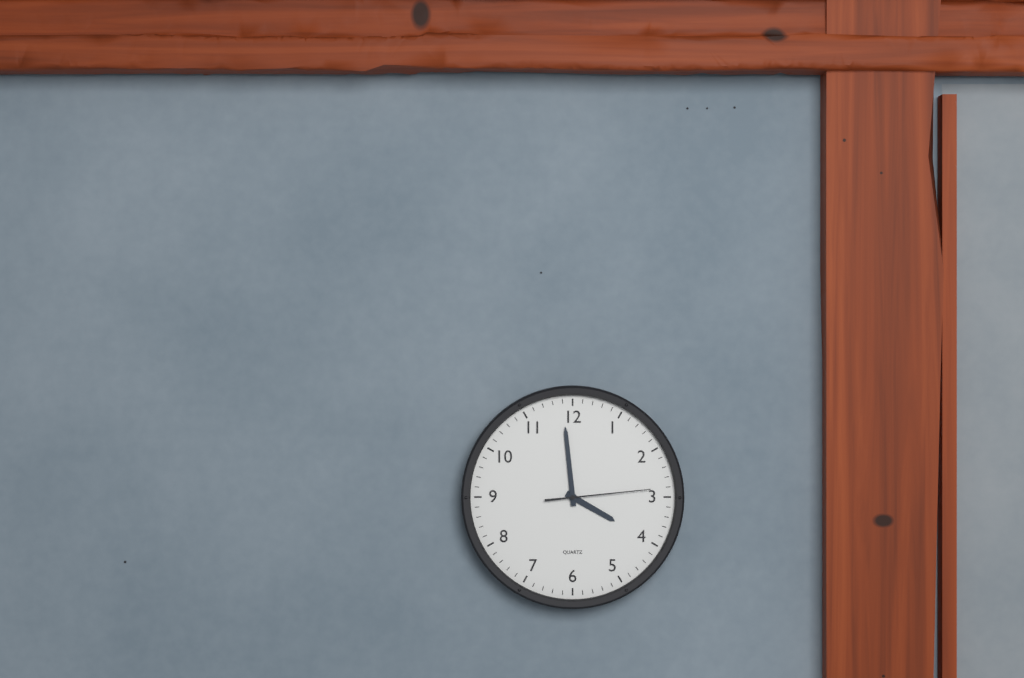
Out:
3.59.14
